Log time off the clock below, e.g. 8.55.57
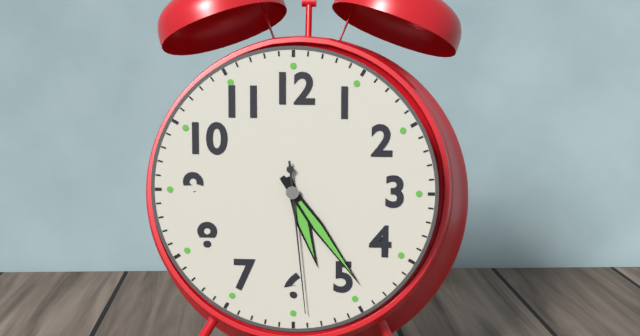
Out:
5.24.29
